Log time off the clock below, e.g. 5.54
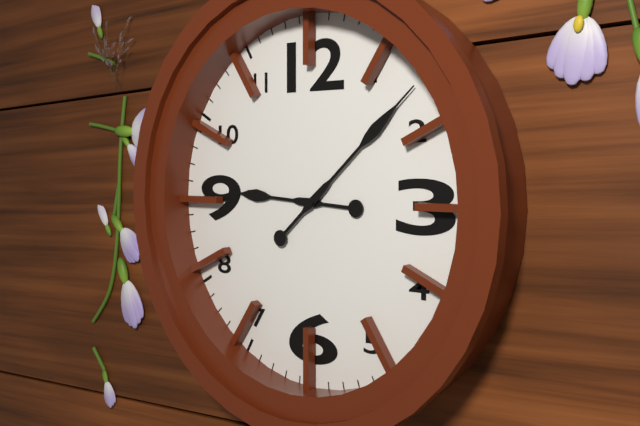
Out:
9.08
